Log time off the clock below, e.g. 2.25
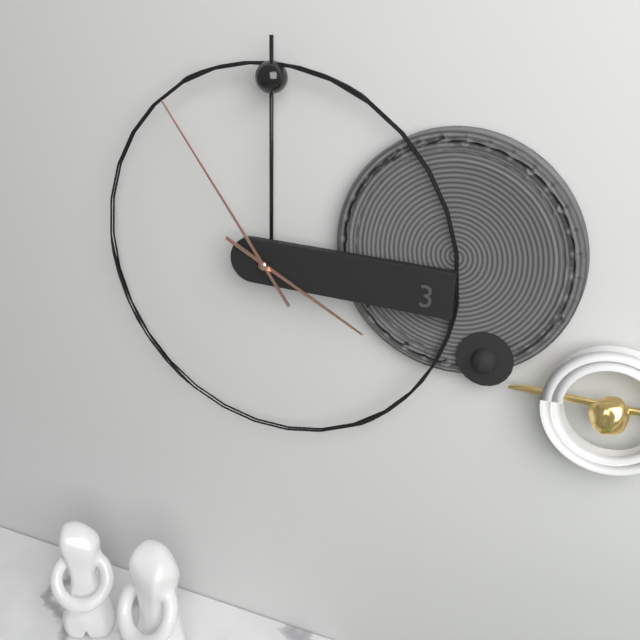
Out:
3.54
